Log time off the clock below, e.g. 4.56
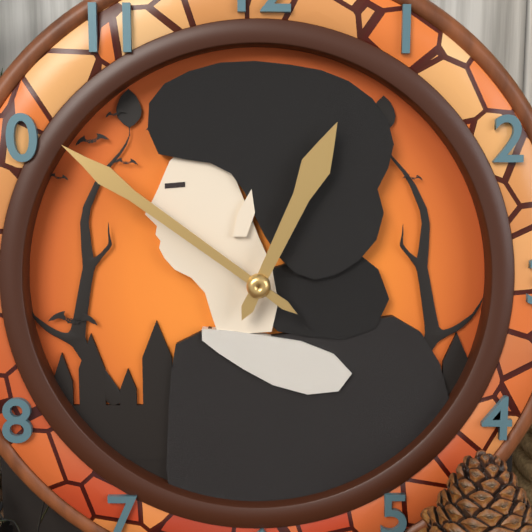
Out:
12.51
